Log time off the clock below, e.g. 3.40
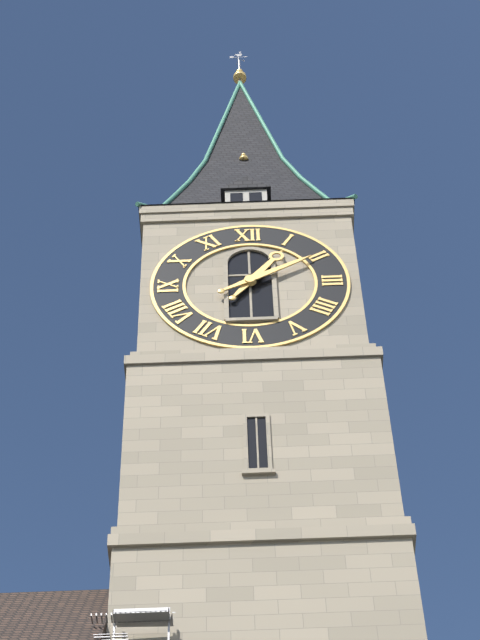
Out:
1.10
